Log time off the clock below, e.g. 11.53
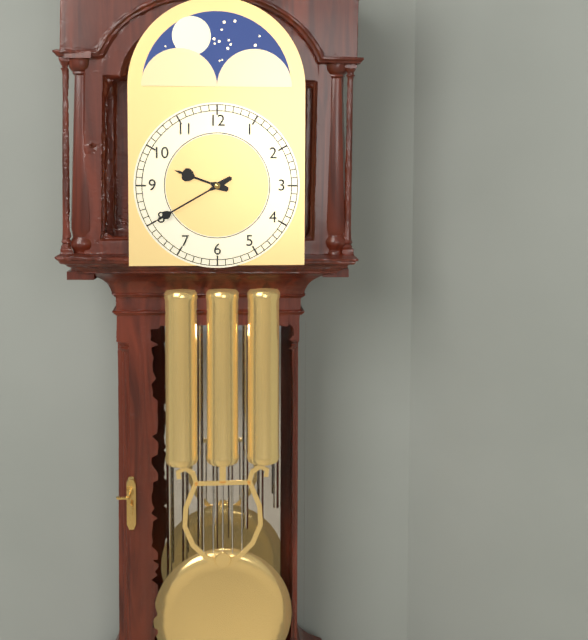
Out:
9.40
